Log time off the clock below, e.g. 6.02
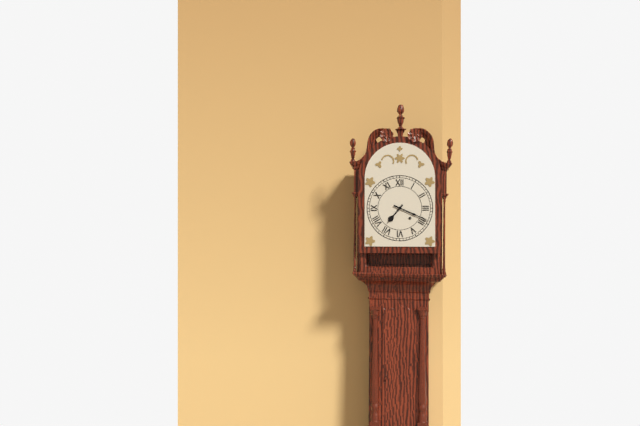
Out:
7.19
